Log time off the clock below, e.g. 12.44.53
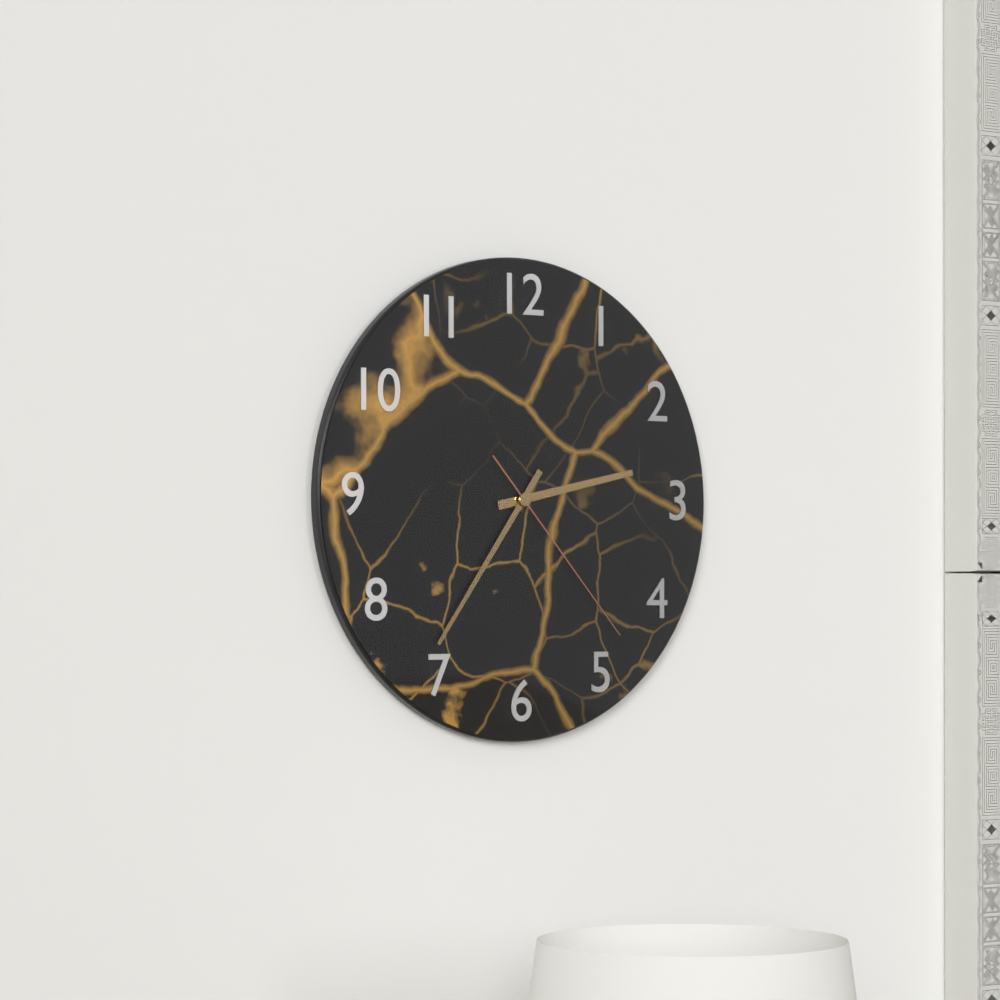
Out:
2.36.23
